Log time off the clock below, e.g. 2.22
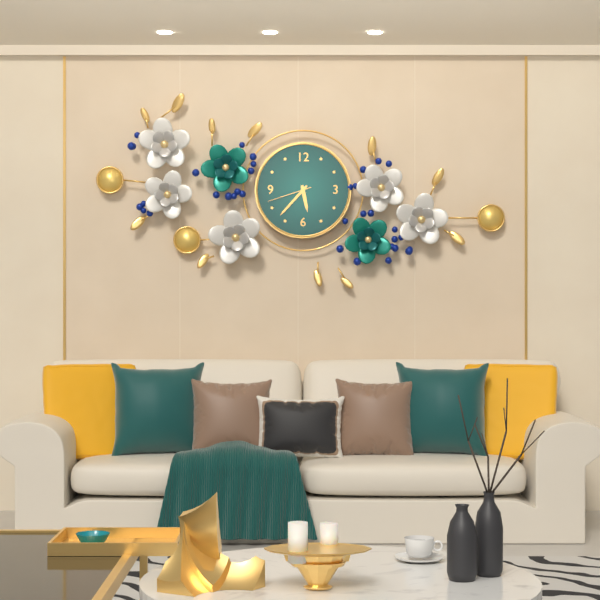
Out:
5.37
